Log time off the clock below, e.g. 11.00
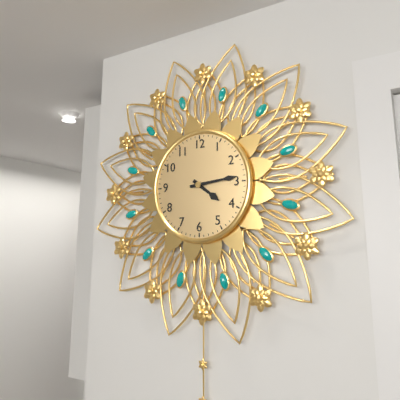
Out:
4.14
